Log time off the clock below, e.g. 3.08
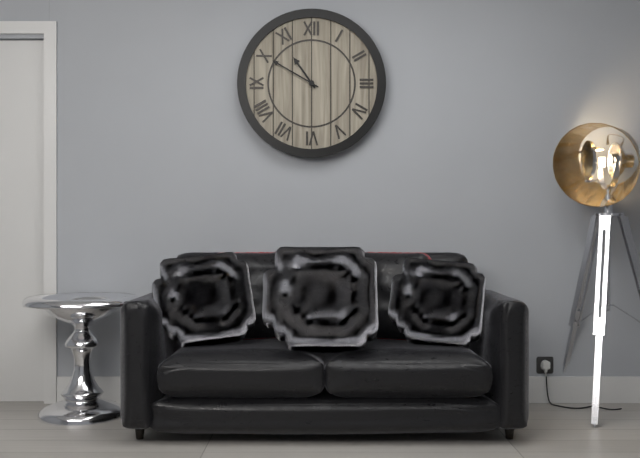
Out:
10.50
